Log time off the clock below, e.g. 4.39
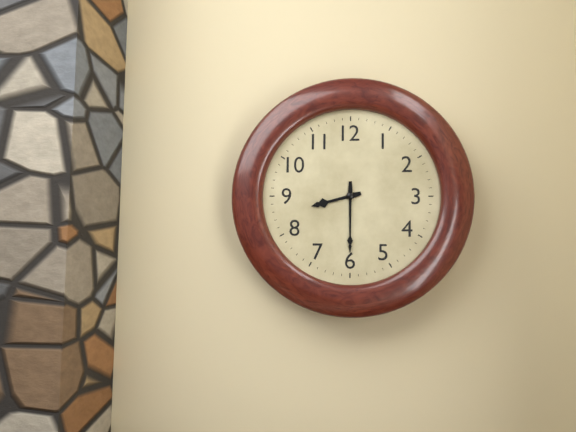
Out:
8.30
